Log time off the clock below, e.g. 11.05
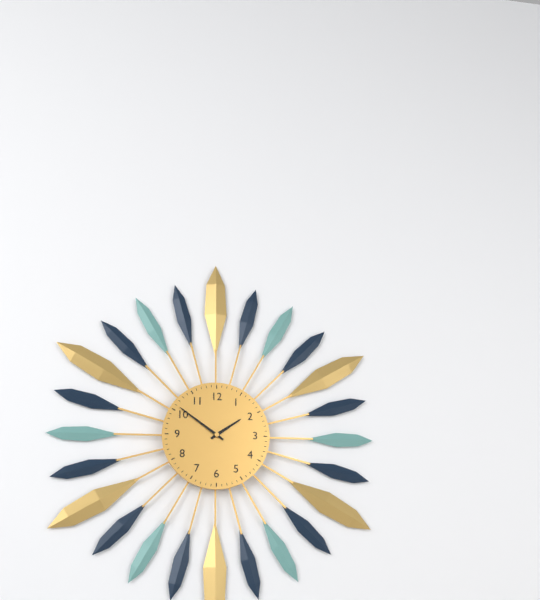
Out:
1.51
